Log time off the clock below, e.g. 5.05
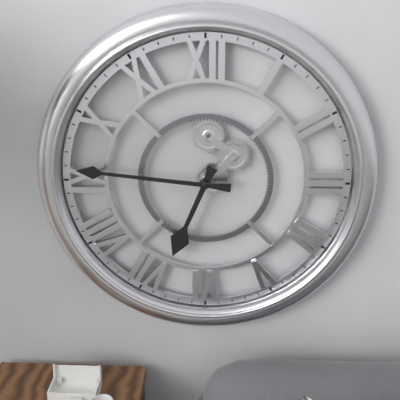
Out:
6.46
